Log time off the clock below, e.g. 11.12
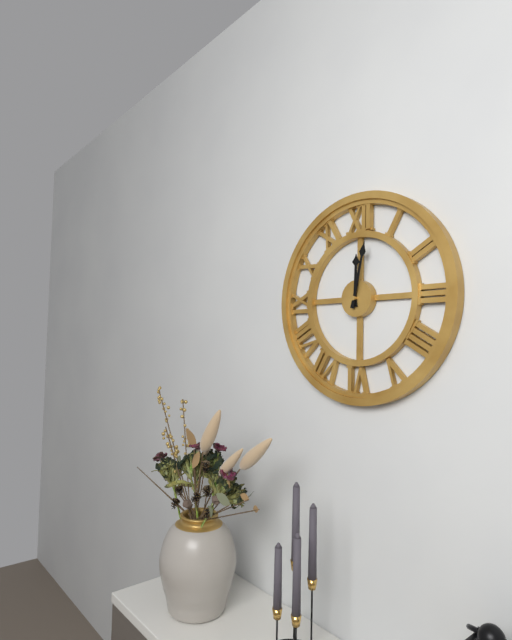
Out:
12.02
